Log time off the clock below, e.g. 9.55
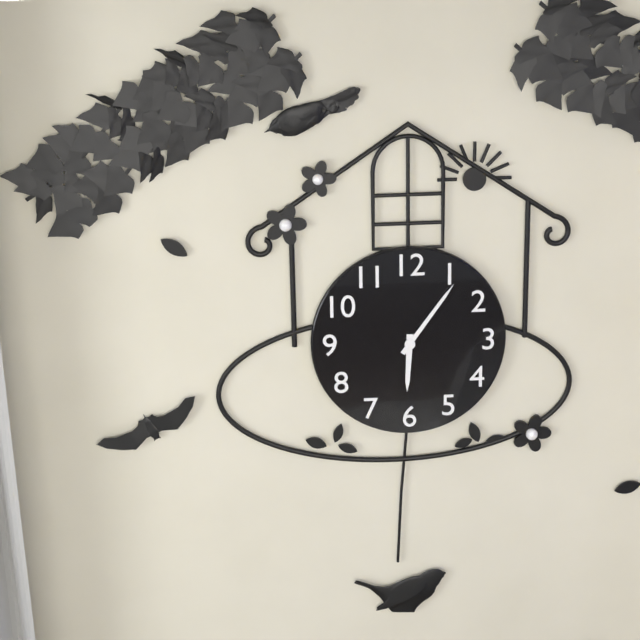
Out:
6.06
